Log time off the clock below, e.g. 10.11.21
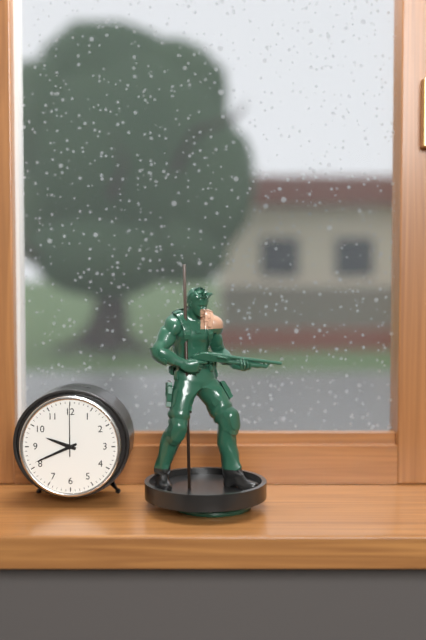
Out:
9.41.00
